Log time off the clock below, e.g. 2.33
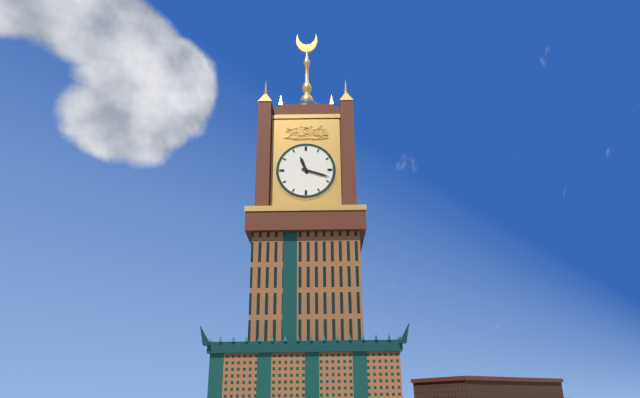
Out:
11.18
